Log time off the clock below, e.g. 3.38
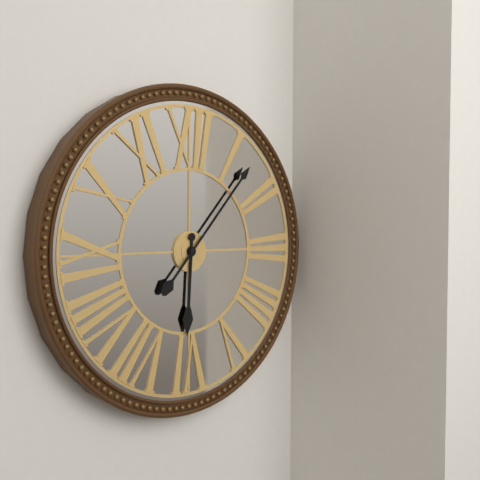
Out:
6.07
